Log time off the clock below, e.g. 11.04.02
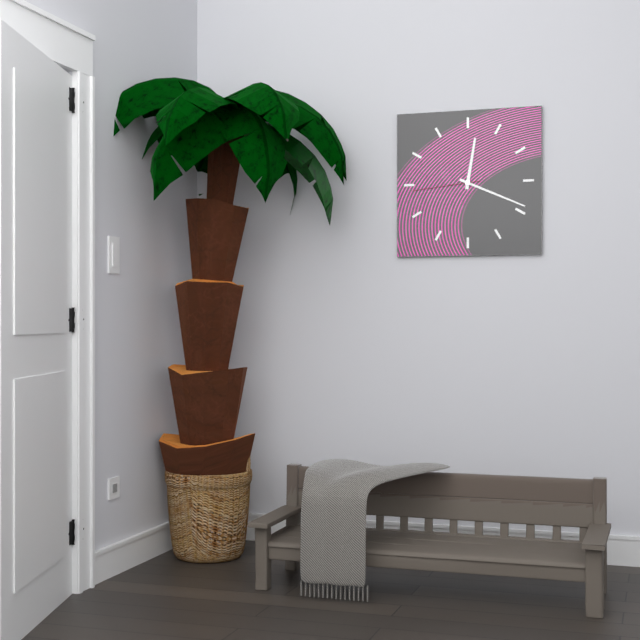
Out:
12.19.44
